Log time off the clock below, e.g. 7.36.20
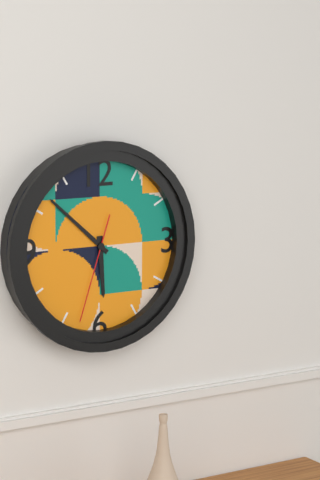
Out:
5.52.33
